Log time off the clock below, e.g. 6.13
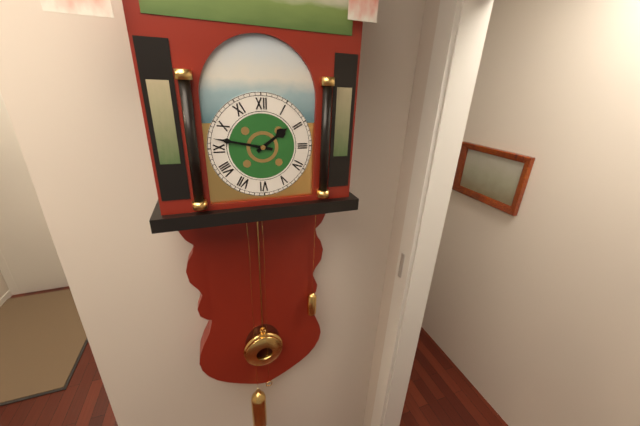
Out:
1.47
